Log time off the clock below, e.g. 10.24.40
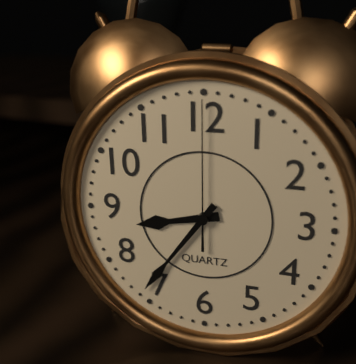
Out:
8.36.00
